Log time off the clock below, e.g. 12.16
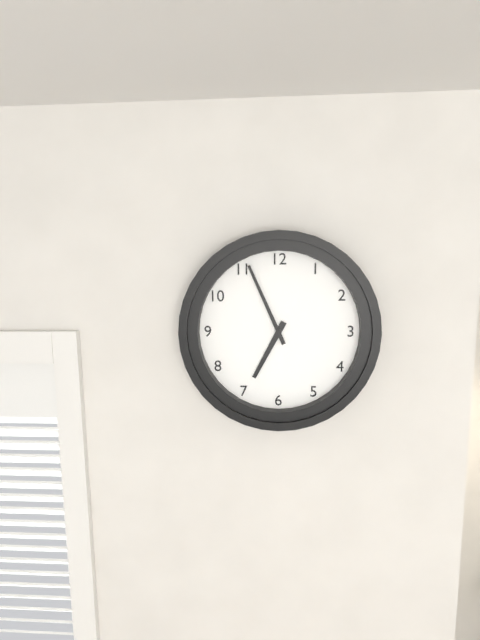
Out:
6.56
